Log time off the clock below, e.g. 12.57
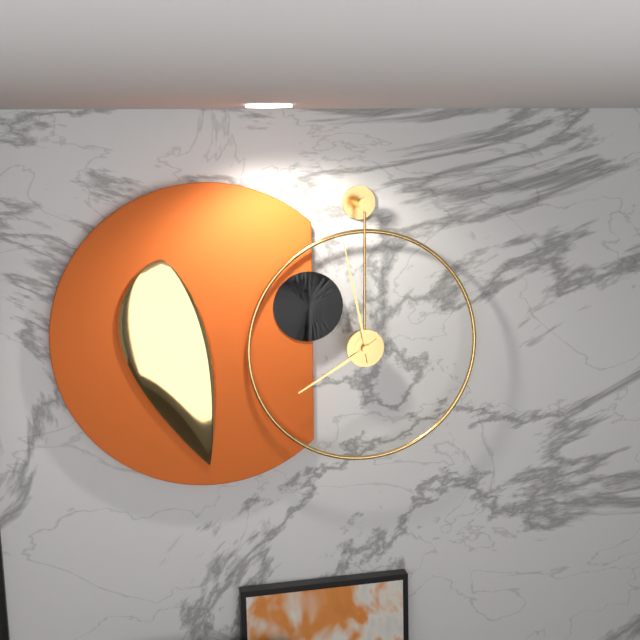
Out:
7.58
